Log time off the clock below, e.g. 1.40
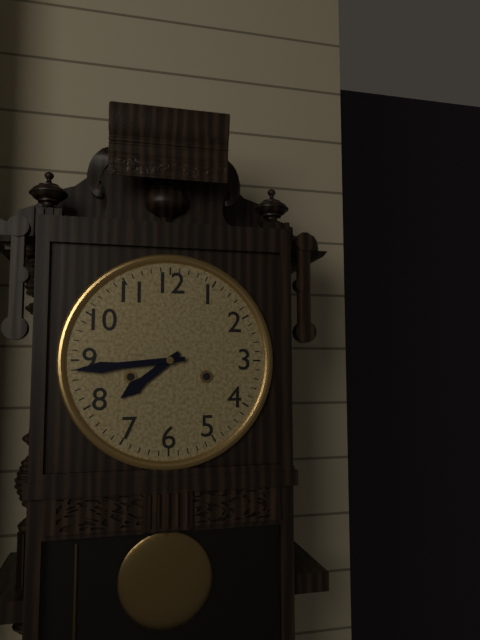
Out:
7.44
